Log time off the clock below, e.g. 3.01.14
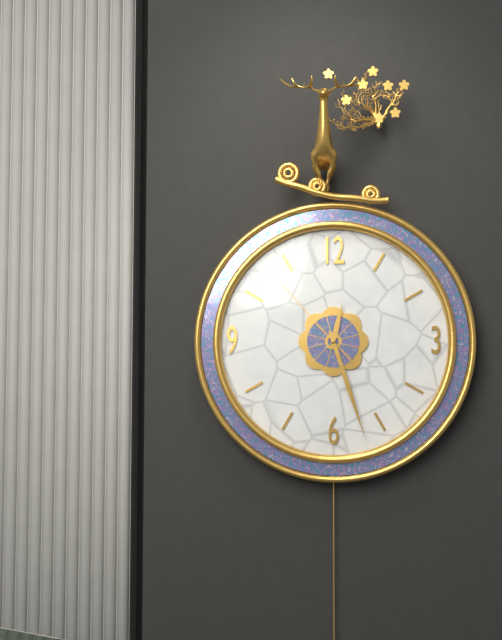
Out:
12.27.53
